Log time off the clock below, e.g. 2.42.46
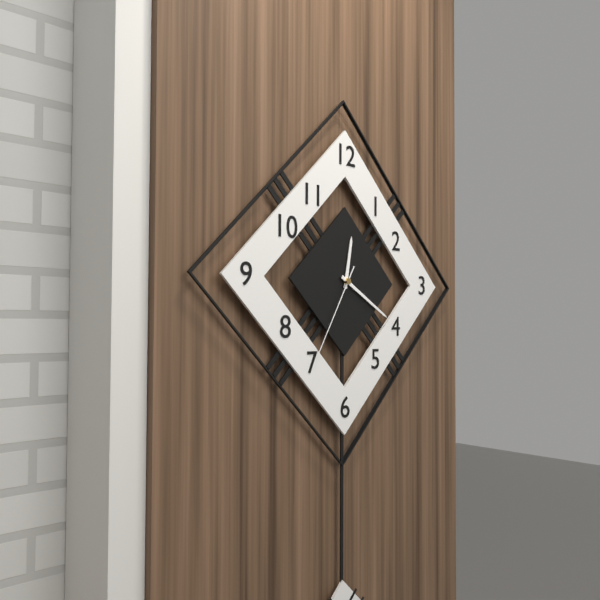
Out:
12.20.35
